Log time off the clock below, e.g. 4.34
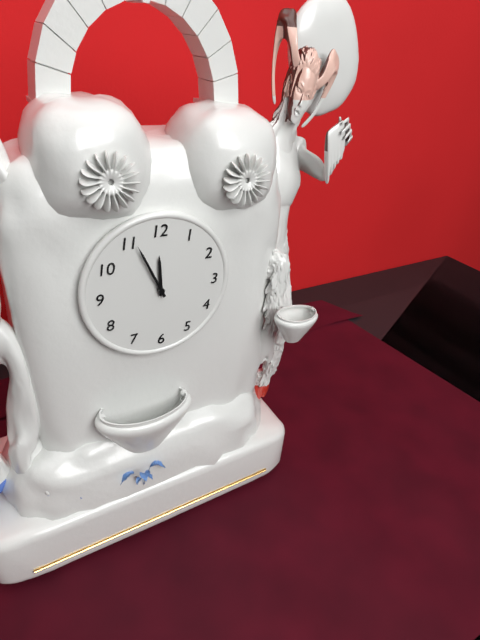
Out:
11.56
